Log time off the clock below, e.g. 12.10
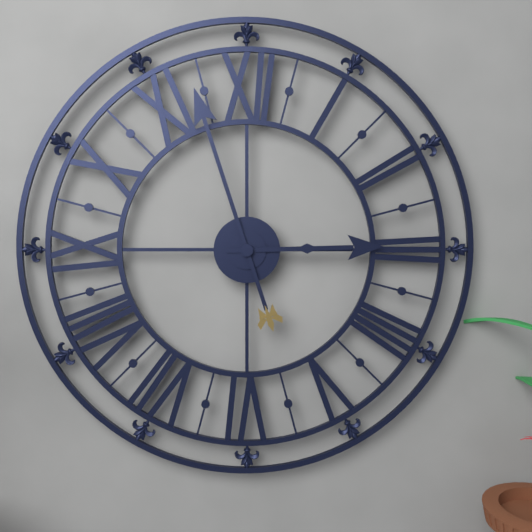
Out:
2.57
